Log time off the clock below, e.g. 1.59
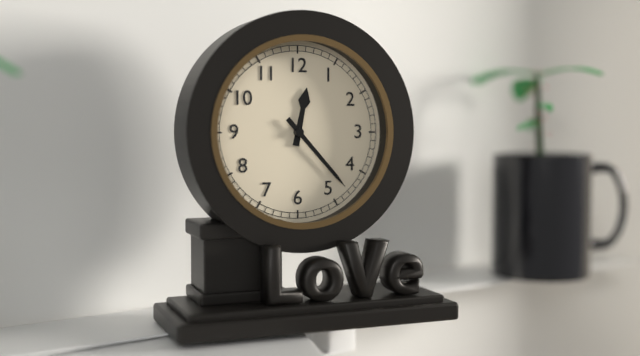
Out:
12.23
